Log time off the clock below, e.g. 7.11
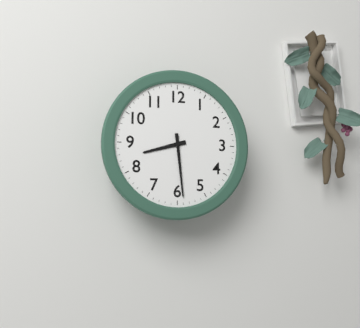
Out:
8.29
